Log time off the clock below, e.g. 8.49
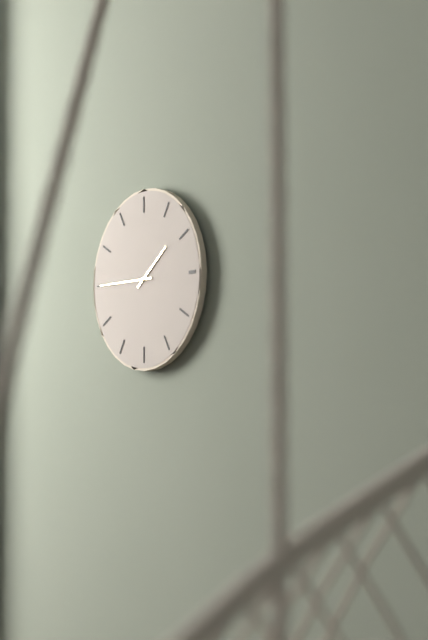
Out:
1.45
